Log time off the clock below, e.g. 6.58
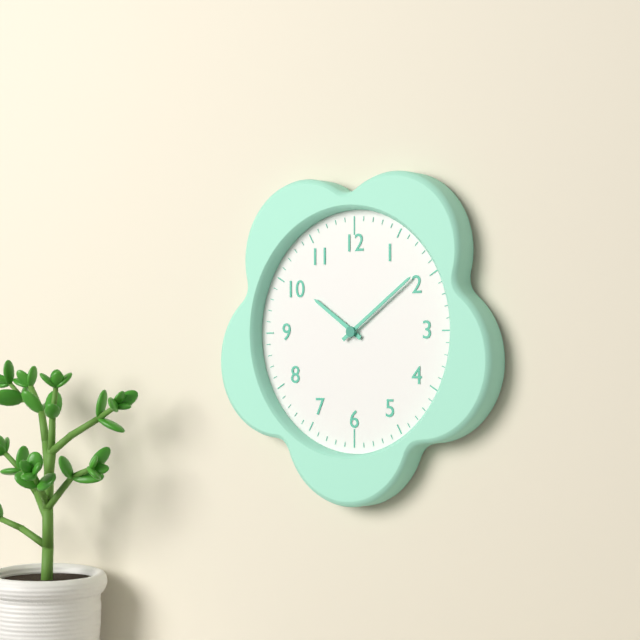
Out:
10.09
